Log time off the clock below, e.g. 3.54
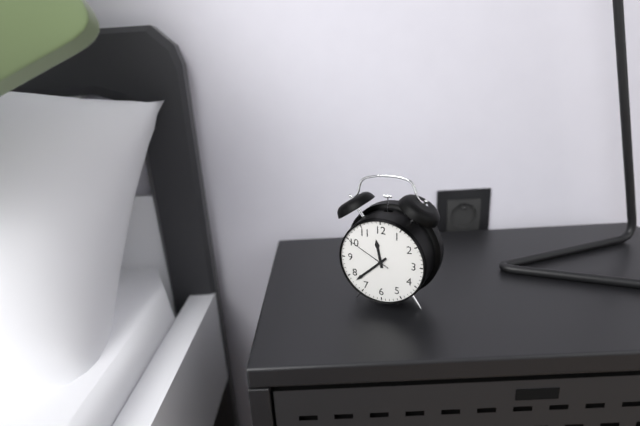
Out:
11.38
